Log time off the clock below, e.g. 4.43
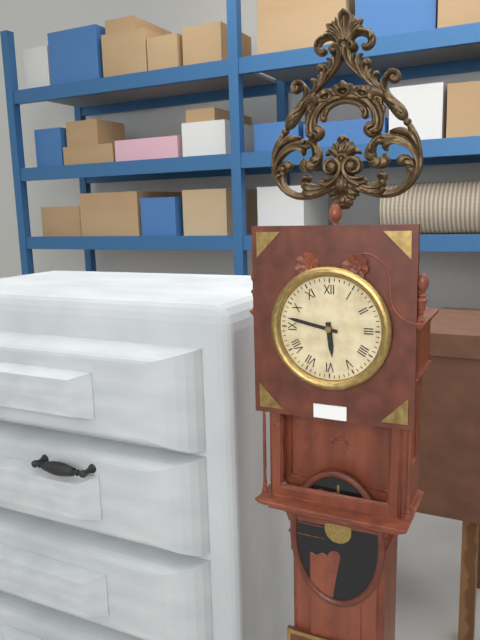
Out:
5.47
